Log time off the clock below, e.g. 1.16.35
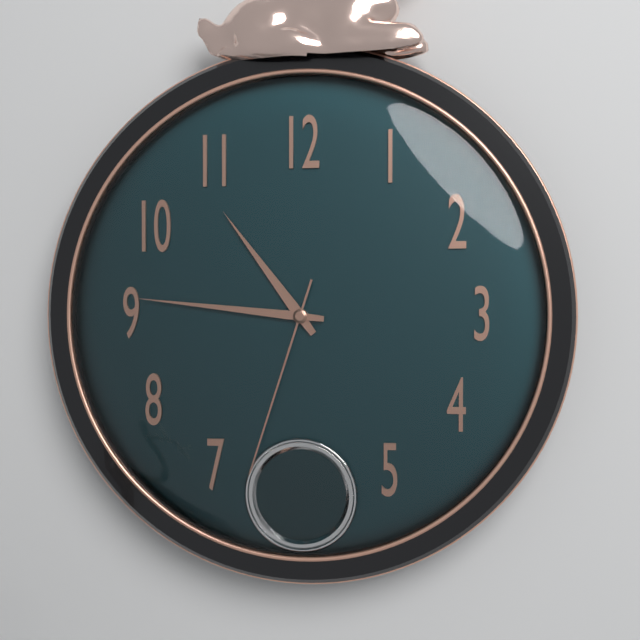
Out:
10.46.33
